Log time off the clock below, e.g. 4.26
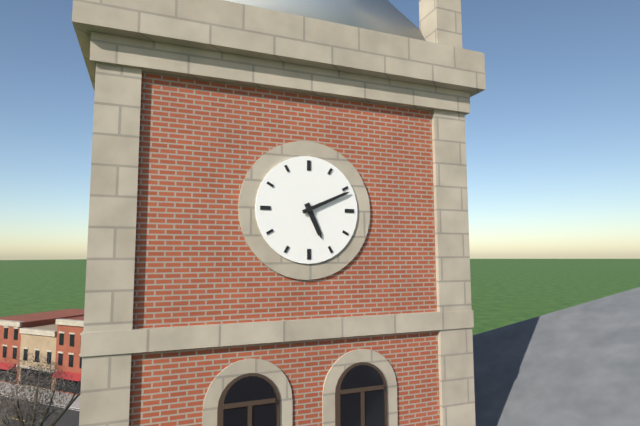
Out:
5.11
